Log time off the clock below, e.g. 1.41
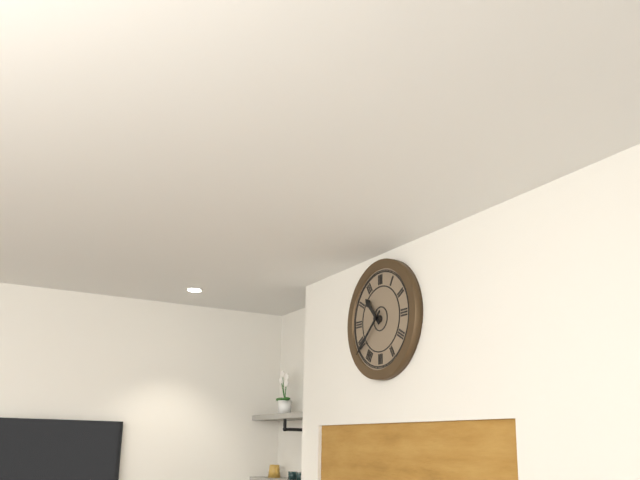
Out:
10.38
